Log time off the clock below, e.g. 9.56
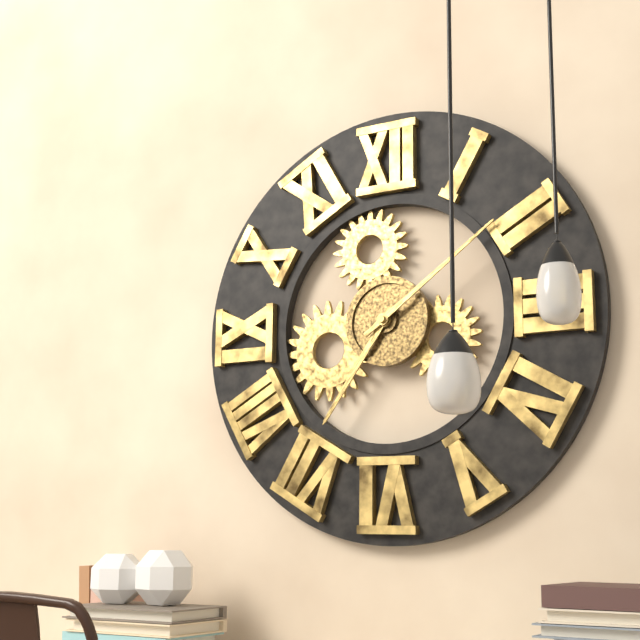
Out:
7.09
